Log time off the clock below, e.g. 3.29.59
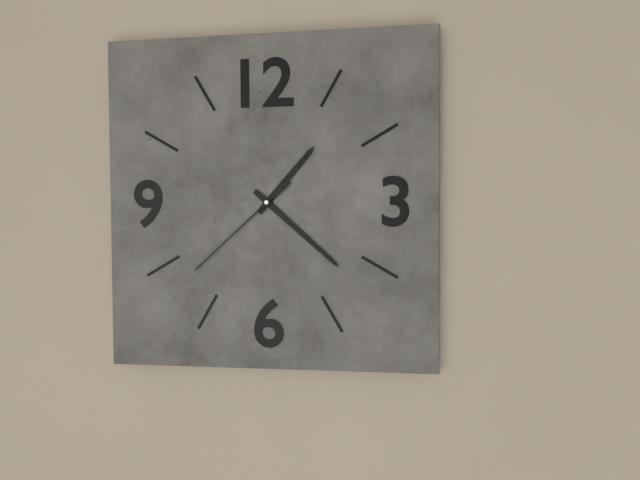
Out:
1.22.38
